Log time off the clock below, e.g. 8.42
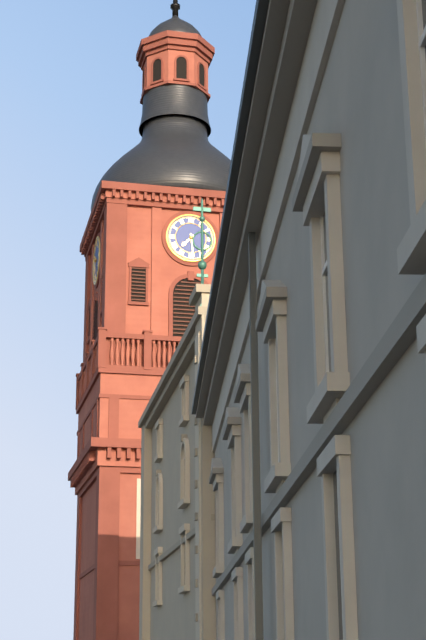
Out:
7.29
